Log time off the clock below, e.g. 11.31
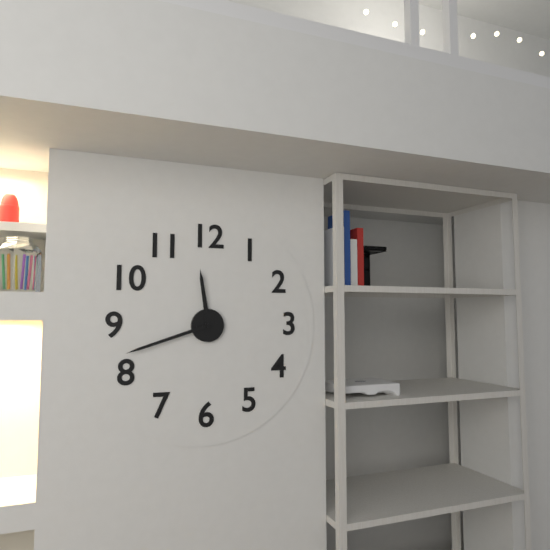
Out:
11.42
